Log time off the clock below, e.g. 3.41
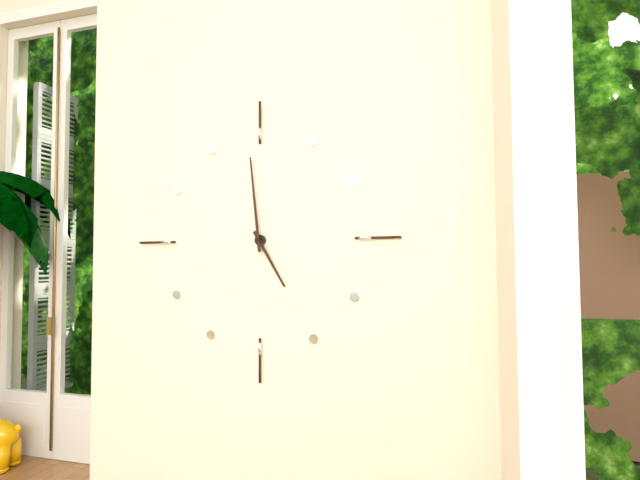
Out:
4.59
